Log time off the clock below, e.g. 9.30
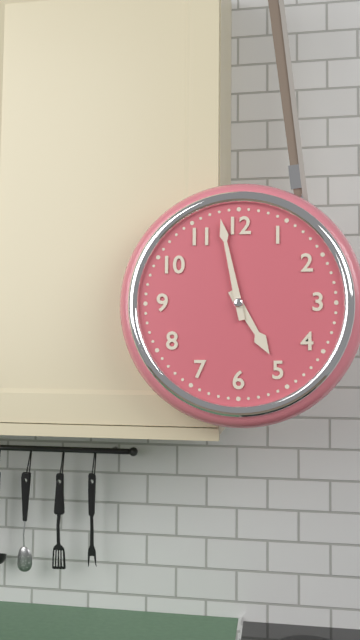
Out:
4.58
